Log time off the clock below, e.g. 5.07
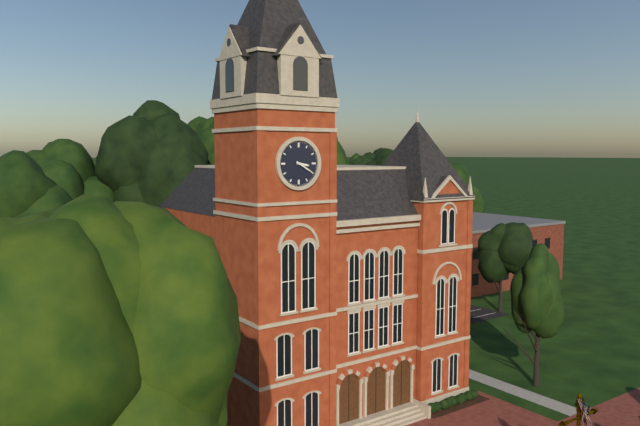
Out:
3.20
